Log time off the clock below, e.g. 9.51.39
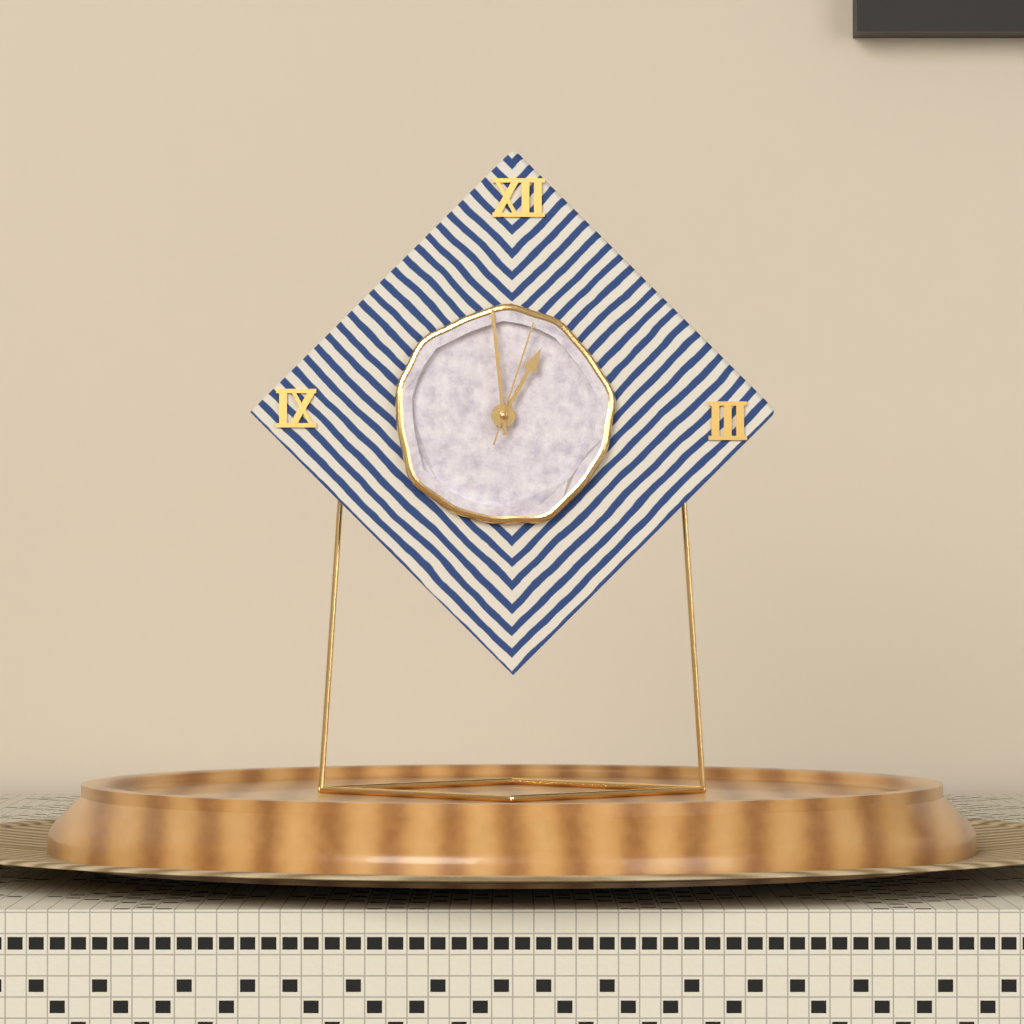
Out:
12.59.03
